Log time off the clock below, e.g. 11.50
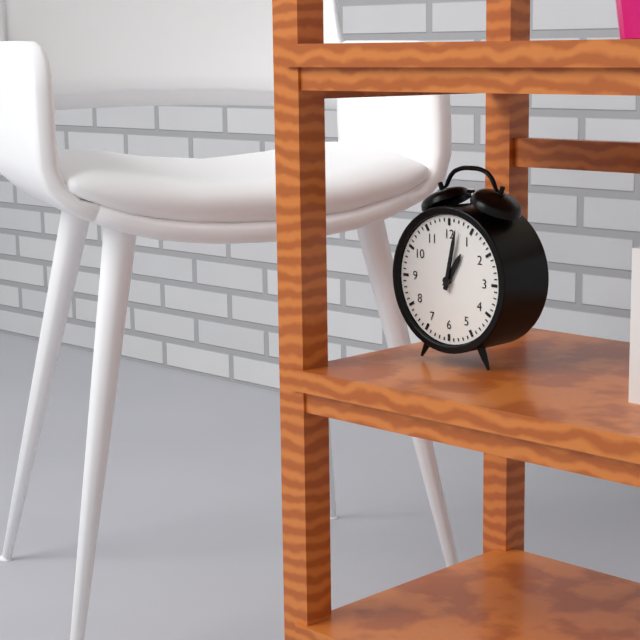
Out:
1.02
